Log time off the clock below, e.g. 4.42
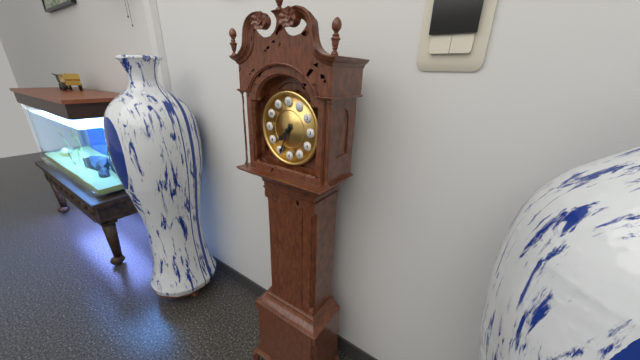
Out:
7.34
